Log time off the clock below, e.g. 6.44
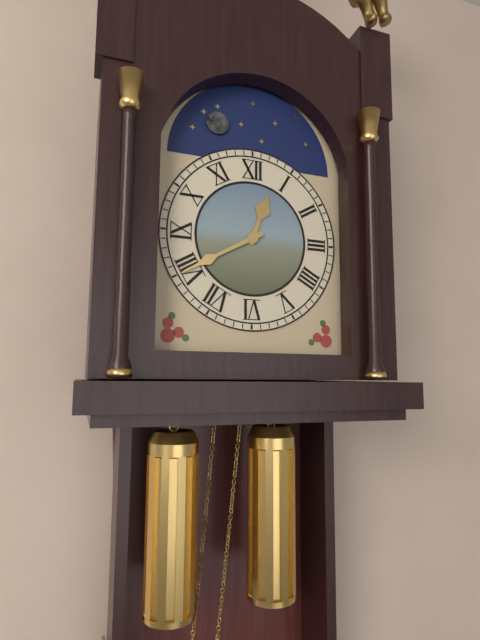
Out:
12.40
